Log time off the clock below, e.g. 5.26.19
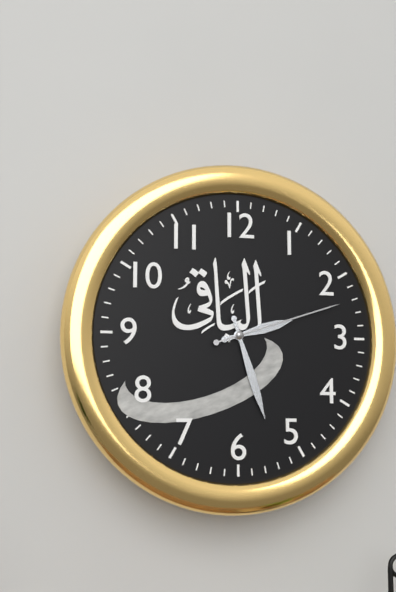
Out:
2.27.12
